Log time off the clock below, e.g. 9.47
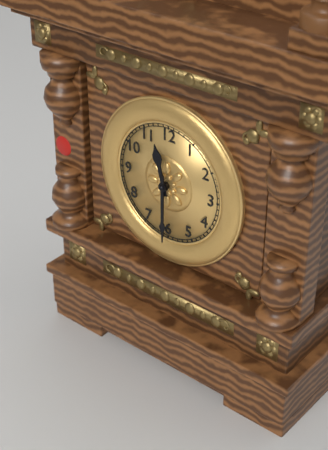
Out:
11.30
